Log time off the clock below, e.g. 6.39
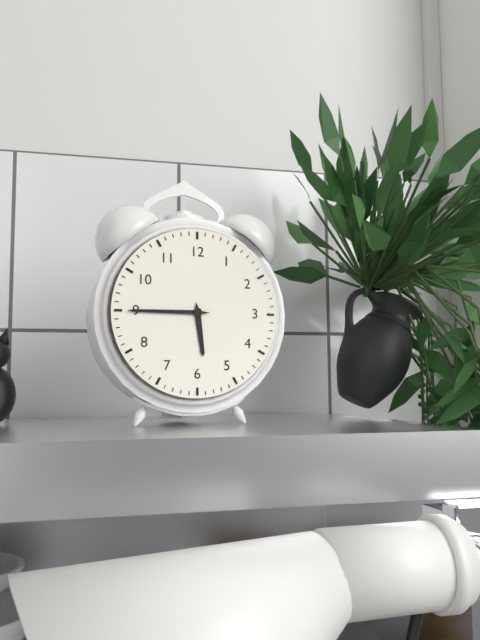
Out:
5.45
